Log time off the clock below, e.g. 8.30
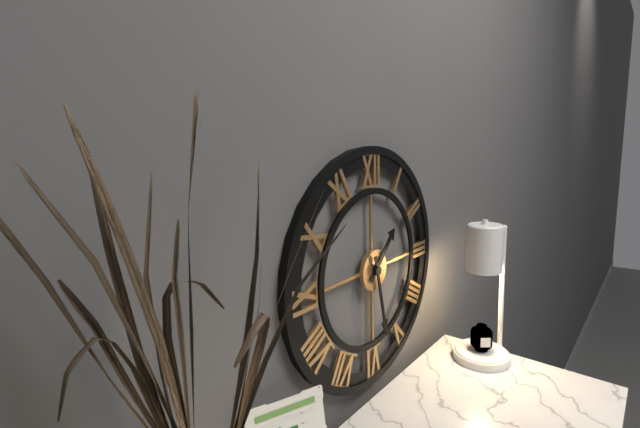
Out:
1.28
